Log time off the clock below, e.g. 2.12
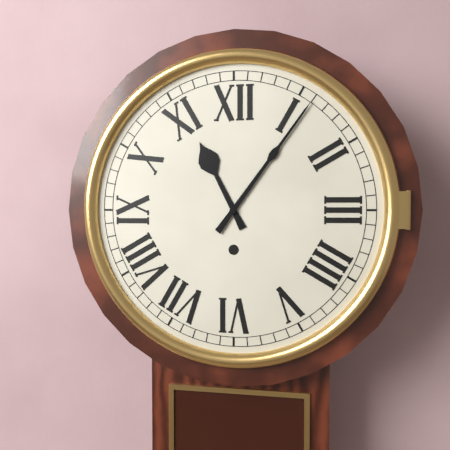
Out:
11.06
